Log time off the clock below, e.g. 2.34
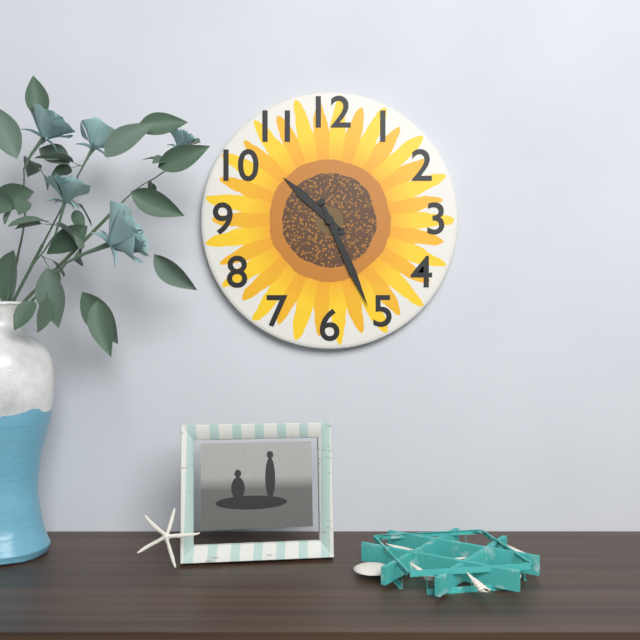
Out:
10.26
